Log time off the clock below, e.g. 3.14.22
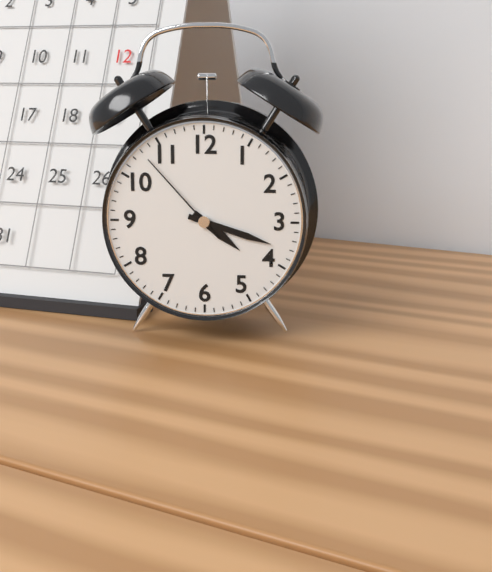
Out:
4.18.53
